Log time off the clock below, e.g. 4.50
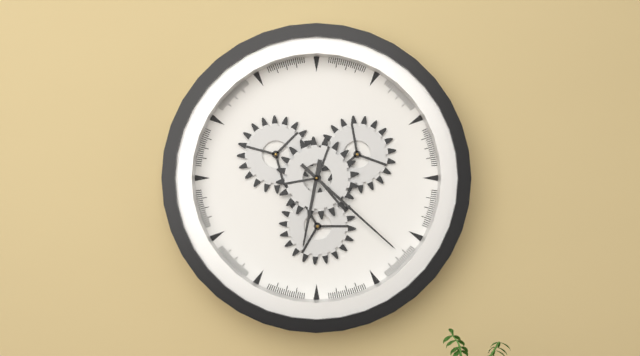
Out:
6.22
